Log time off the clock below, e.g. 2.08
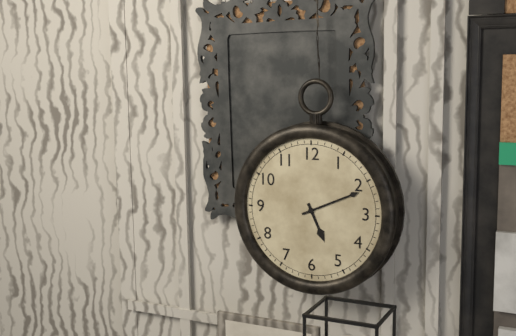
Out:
5.11
